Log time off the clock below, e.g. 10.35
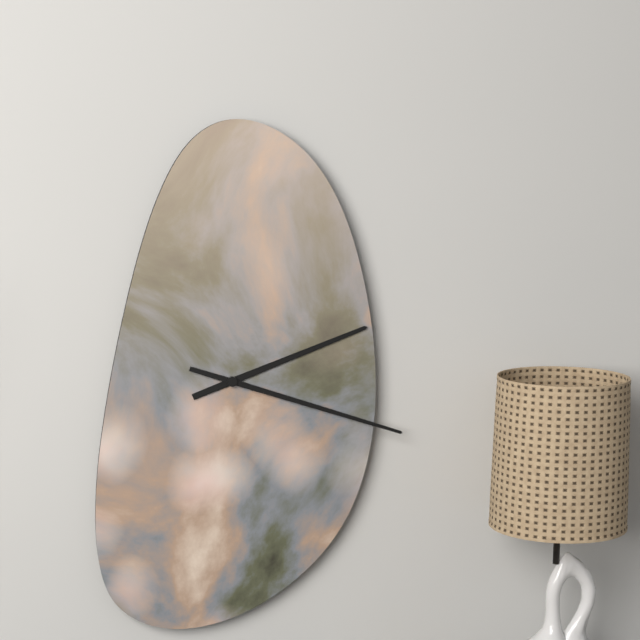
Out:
2.18
